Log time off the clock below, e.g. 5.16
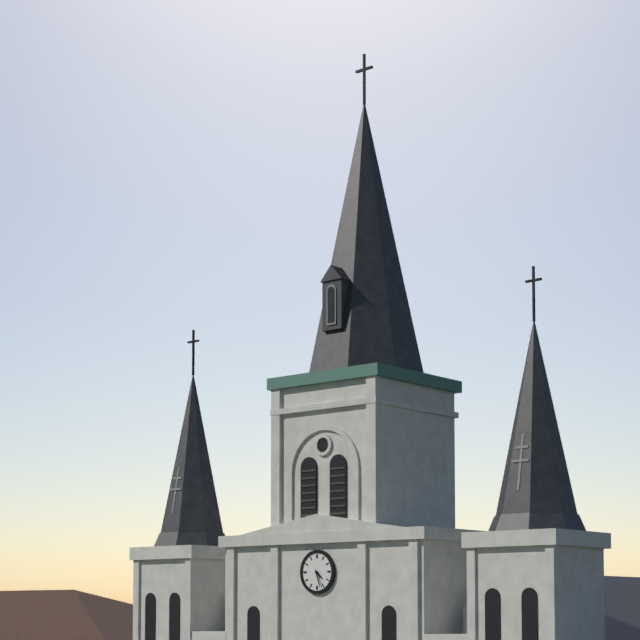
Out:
4.27
